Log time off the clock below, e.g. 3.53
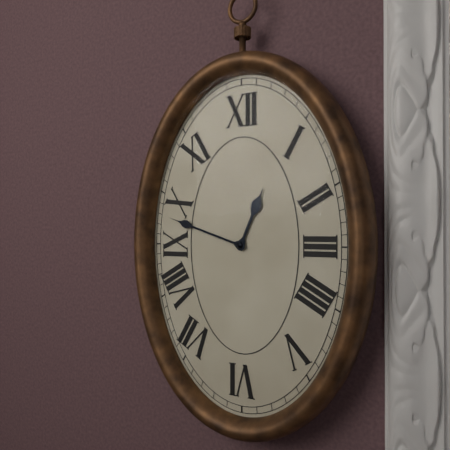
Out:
12.48
